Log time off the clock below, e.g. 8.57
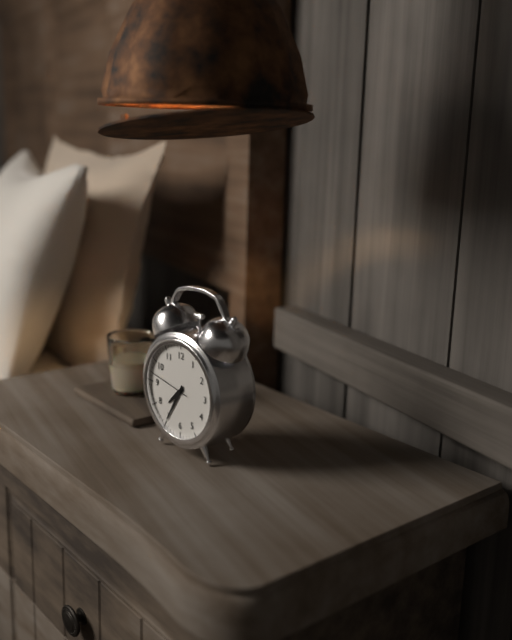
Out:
7.35
